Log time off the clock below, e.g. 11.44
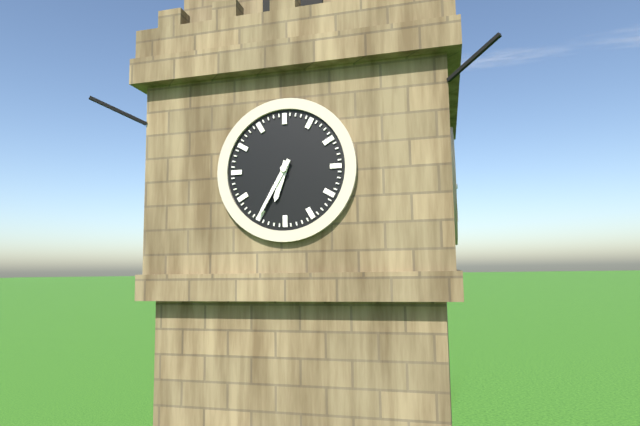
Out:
6.35
